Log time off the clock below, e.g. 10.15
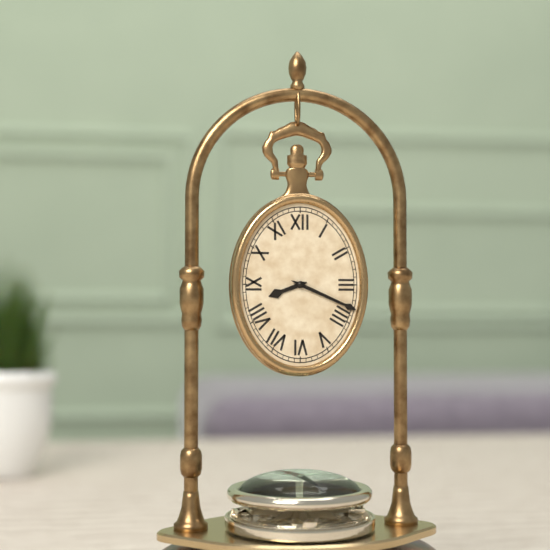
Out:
8.19
